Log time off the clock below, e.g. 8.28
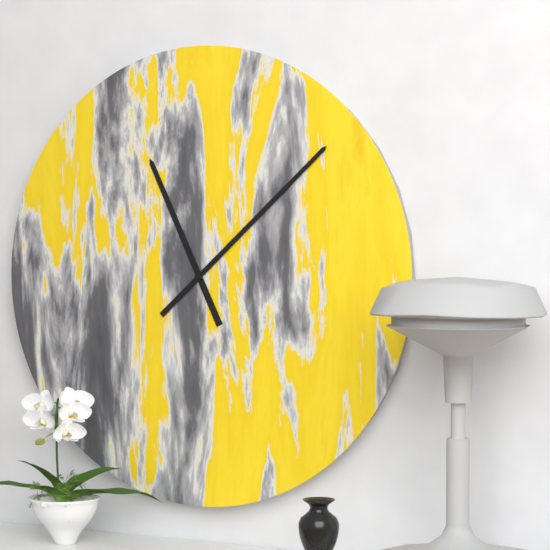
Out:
11.08
